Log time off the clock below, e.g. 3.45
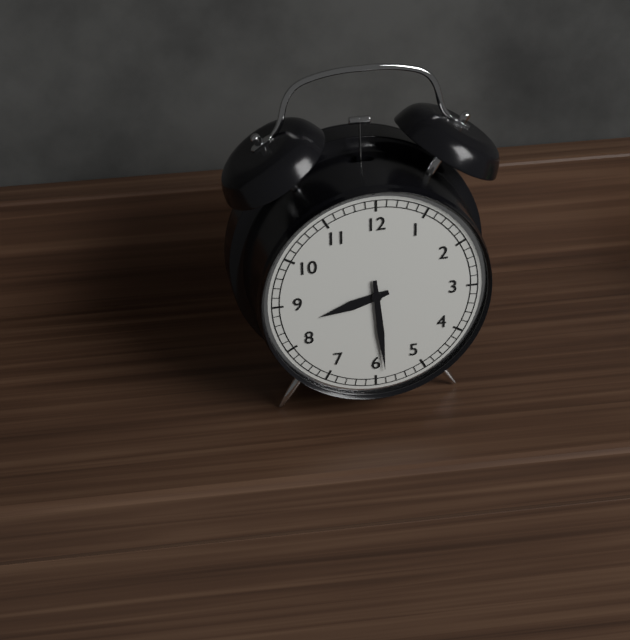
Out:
8.29
